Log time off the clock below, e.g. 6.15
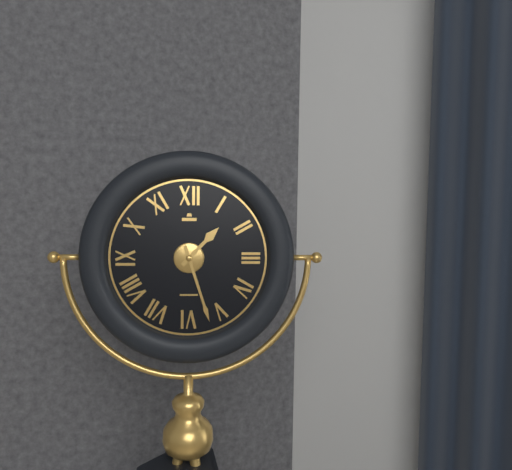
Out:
1.27
